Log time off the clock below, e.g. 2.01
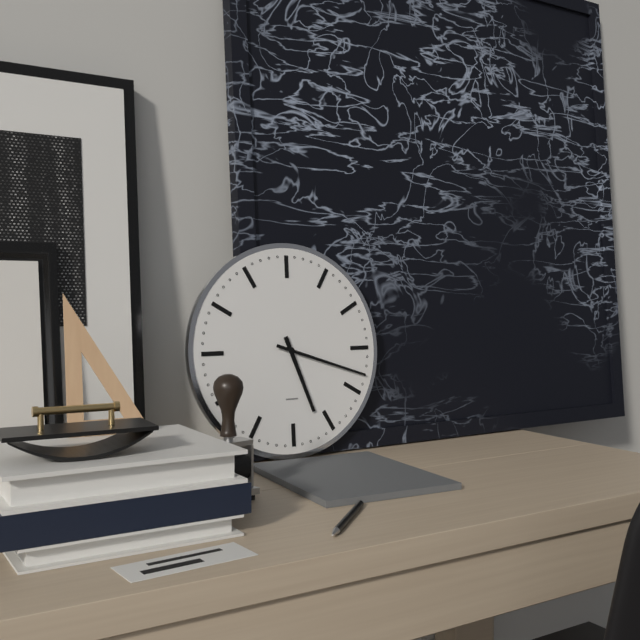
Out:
5.18
